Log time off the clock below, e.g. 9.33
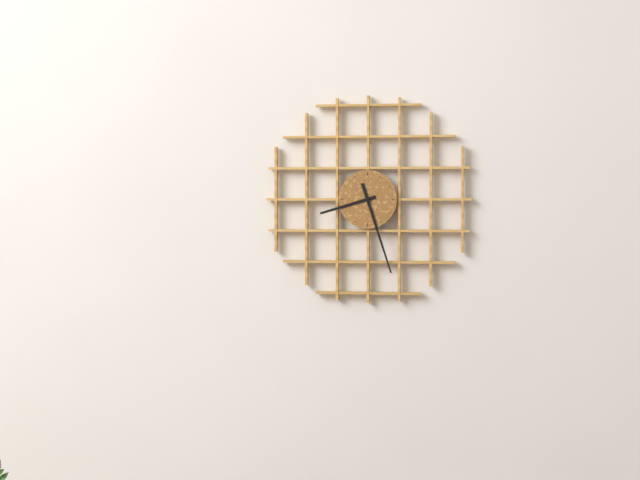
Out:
8.27
